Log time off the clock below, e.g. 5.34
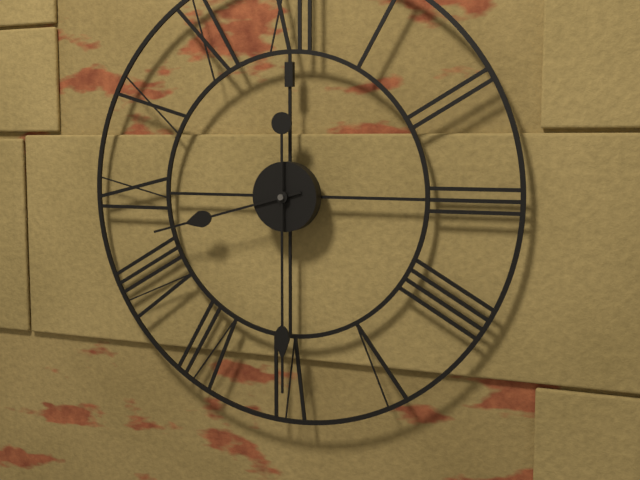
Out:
8.30
